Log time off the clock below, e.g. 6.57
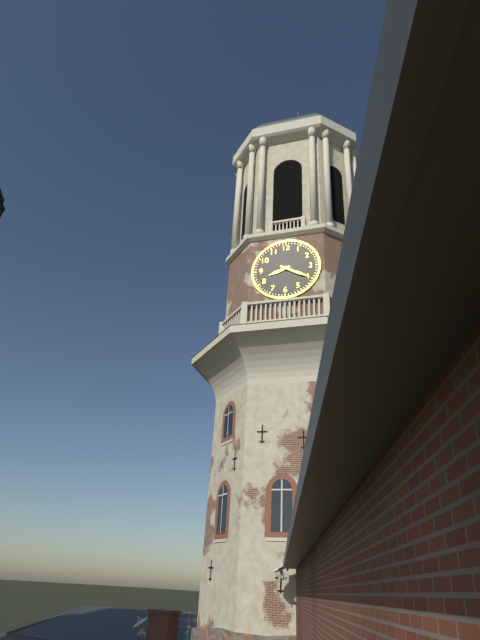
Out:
8.20
